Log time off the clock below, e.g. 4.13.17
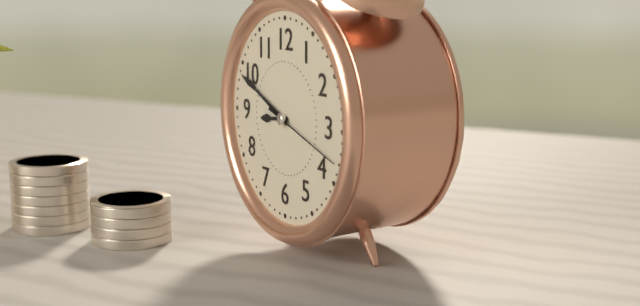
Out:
8.49.18
